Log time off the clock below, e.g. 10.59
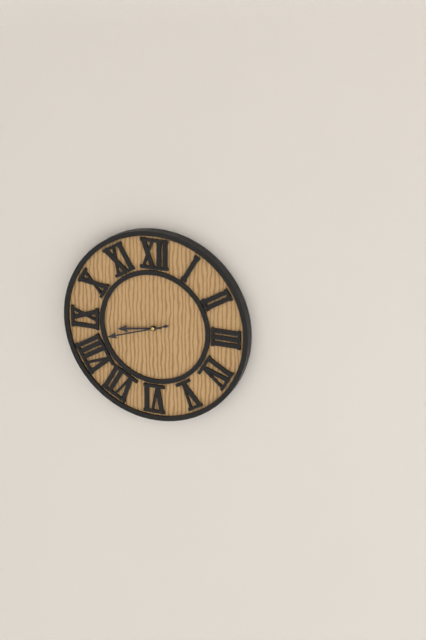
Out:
8.42
